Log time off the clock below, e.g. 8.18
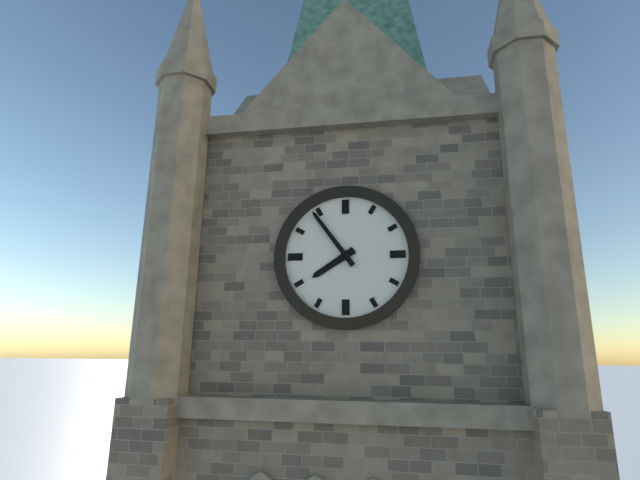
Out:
7.54
